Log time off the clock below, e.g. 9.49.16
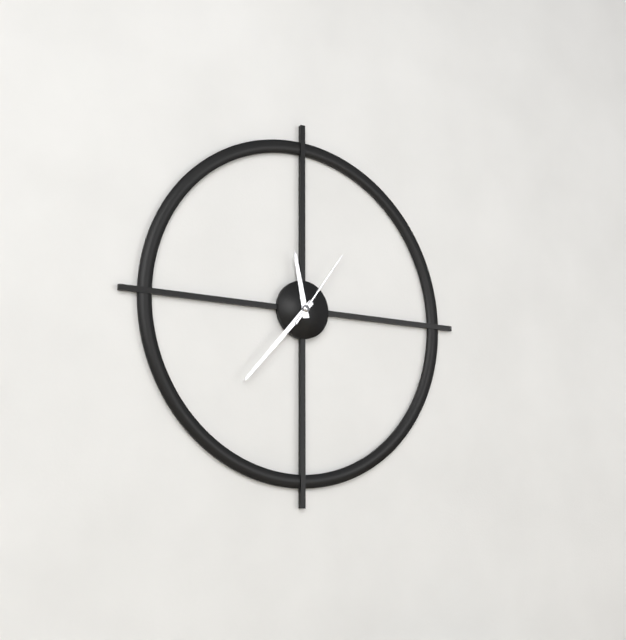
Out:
11.37.06
